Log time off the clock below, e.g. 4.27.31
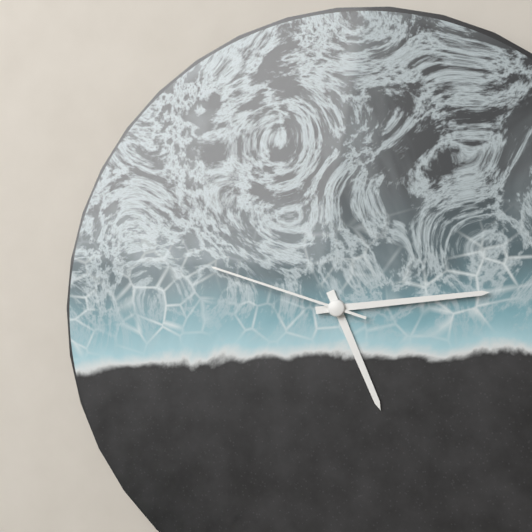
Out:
5.14.48
